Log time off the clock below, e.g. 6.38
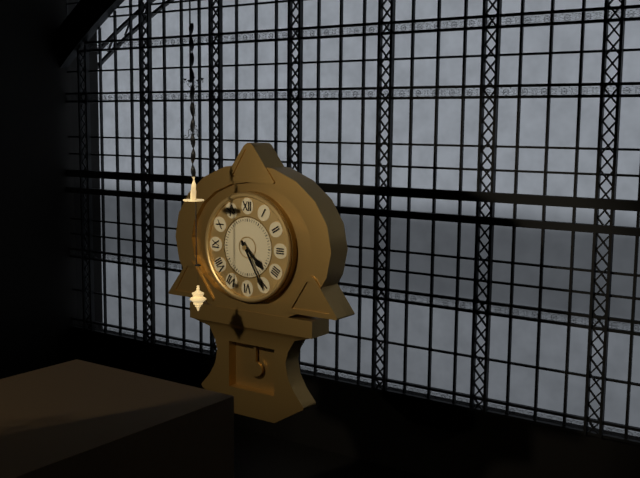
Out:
4.25
